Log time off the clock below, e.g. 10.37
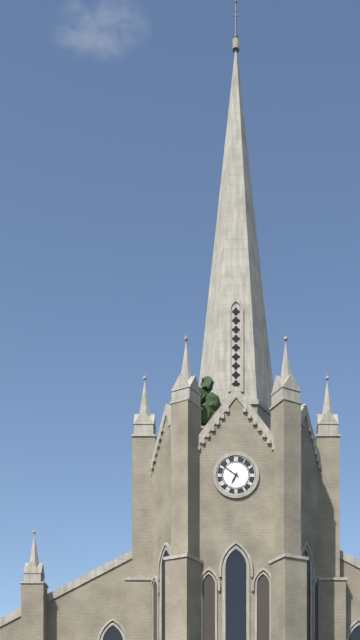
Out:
6.51
